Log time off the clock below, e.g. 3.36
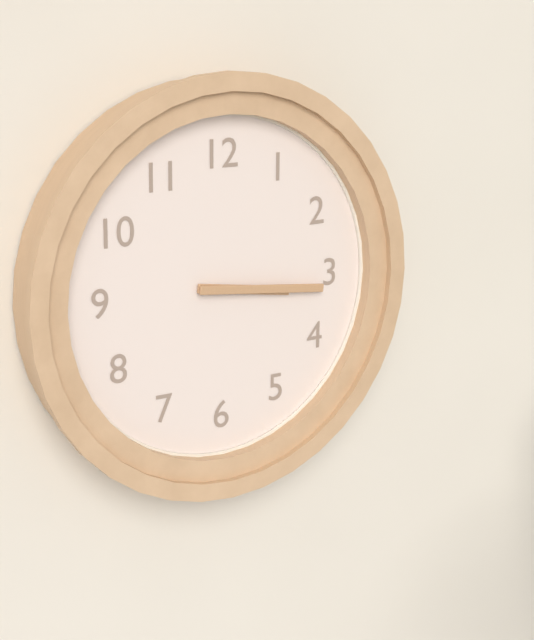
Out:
3.16
